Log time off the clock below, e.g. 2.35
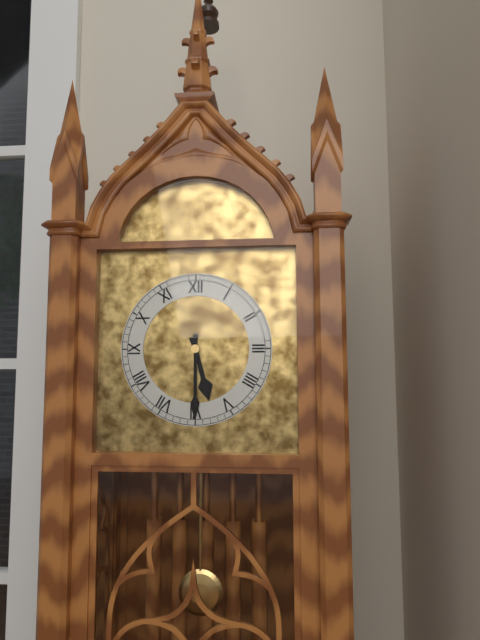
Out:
5.30
